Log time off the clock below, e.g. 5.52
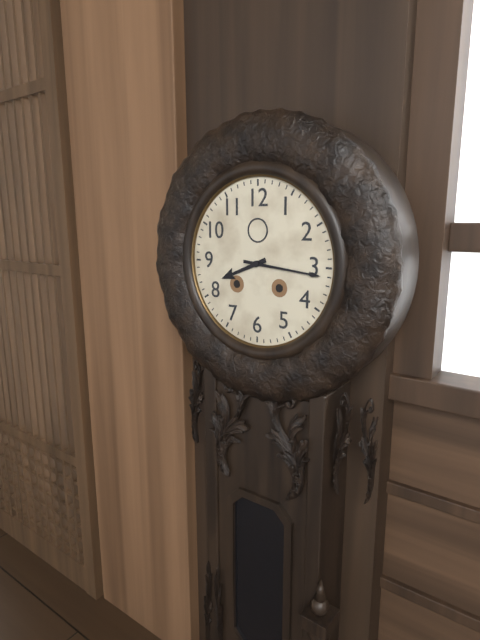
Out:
8.16
